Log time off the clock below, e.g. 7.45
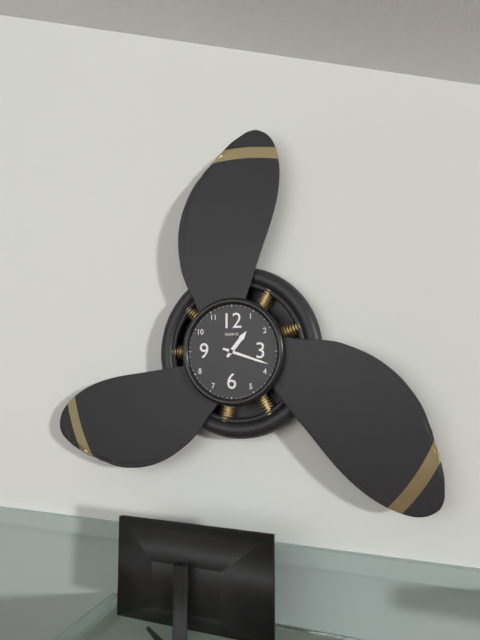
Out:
1.18
